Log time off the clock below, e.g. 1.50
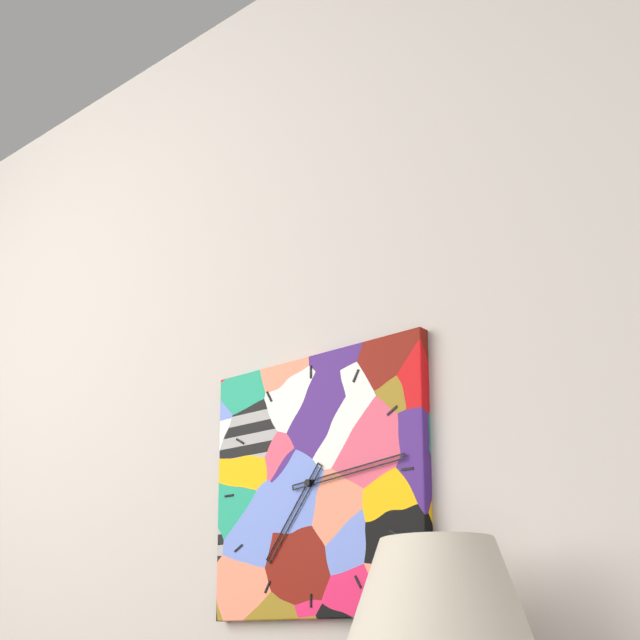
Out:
7.14
